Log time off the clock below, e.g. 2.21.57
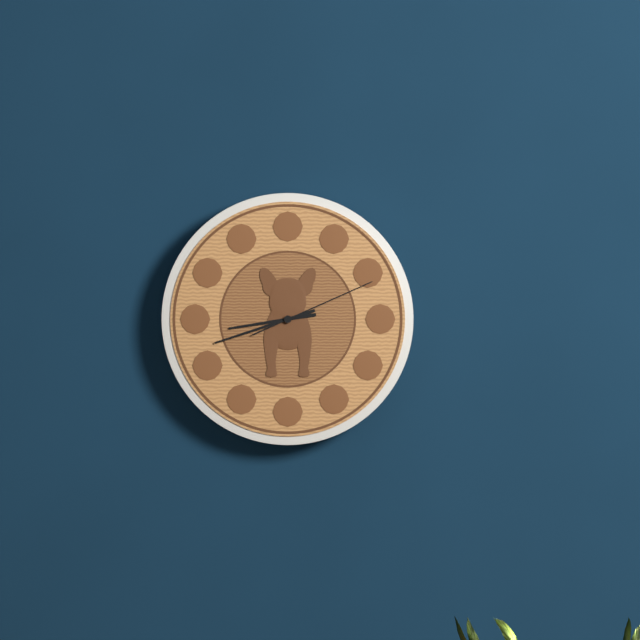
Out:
8.42.11
